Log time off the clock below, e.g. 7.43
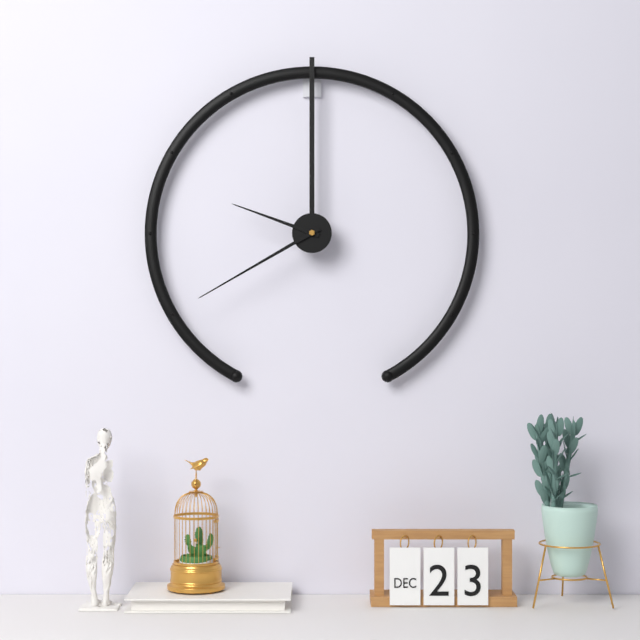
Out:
9.40
